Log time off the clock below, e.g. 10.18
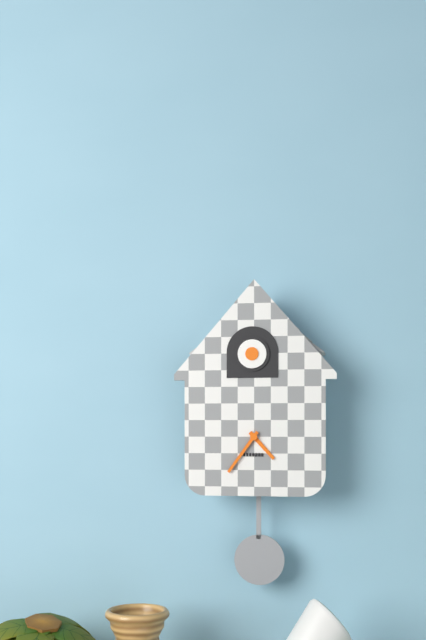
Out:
4.36
